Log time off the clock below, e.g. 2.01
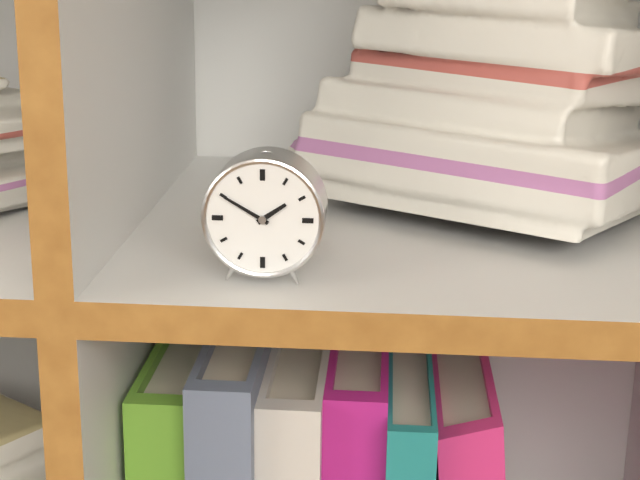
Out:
1.50
